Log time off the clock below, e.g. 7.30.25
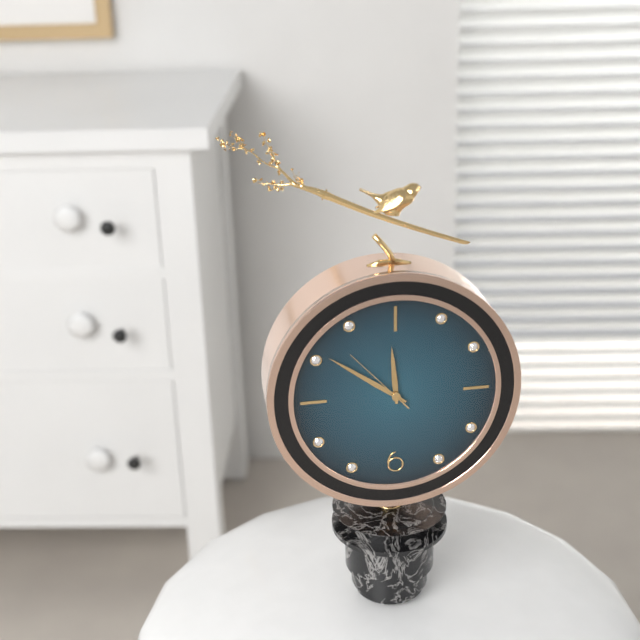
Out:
11.51.53
